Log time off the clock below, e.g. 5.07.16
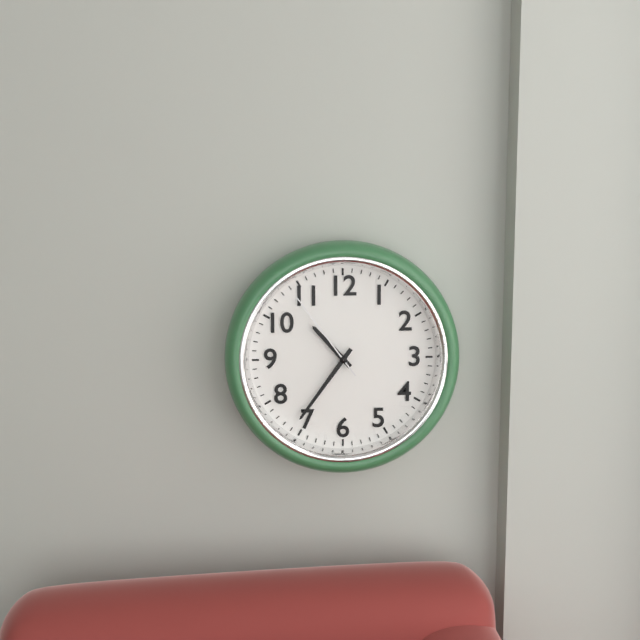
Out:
10.36.54
